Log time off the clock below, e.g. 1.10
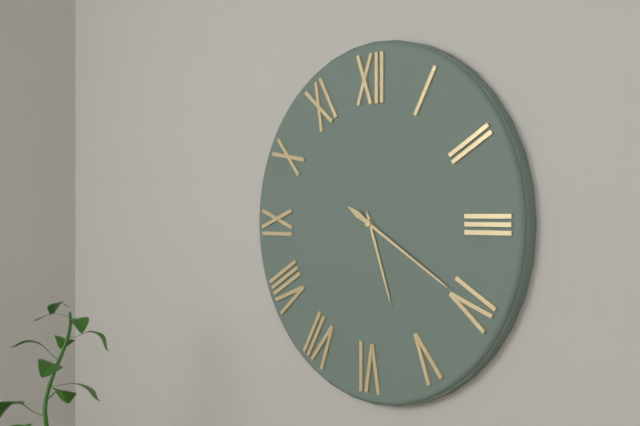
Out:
5.20
